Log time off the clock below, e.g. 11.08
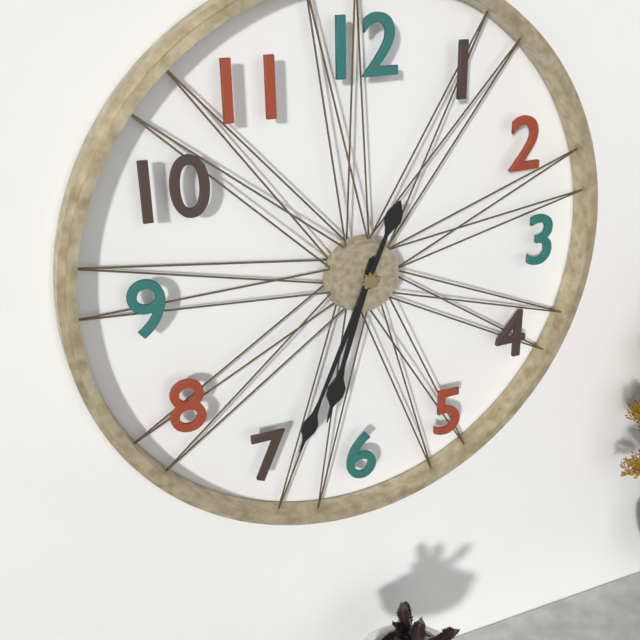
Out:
6.34
